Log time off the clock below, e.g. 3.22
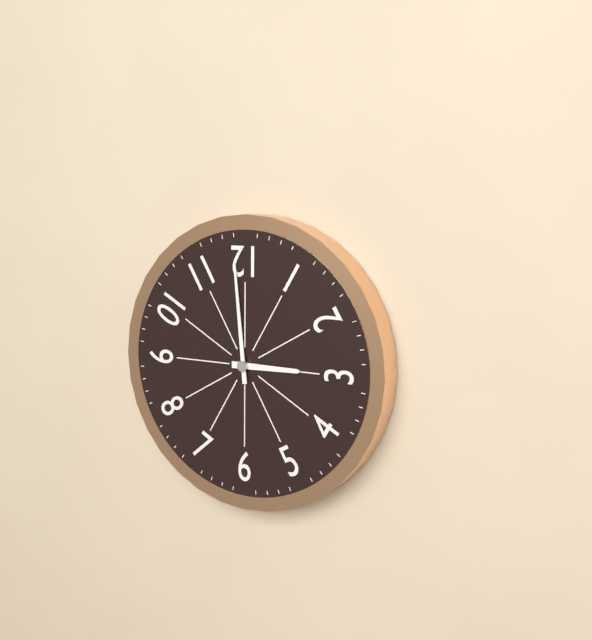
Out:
2.59
